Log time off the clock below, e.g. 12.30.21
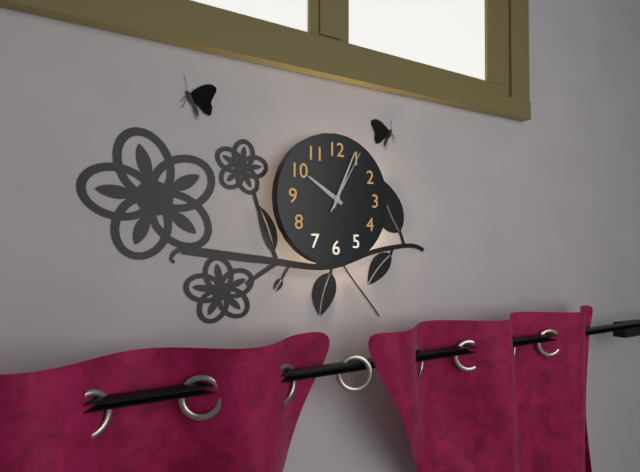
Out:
10.04.05
